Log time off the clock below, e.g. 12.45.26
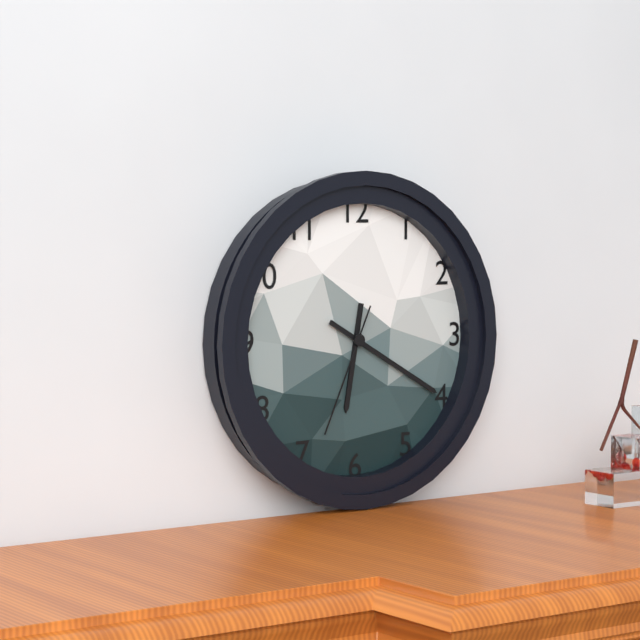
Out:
6.20.34
